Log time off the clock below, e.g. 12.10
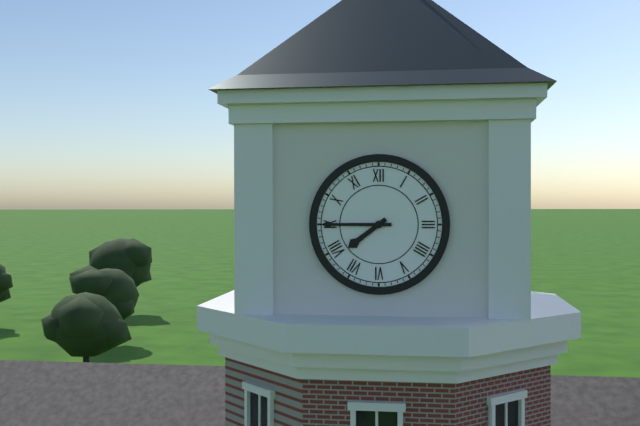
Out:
7.45
